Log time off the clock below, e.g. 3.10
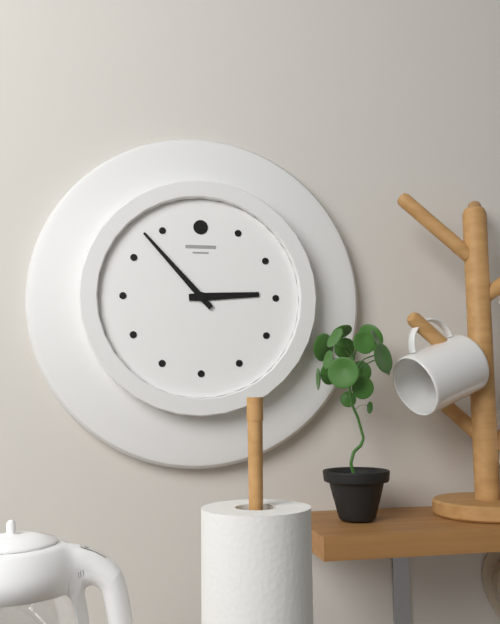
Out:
2.53
